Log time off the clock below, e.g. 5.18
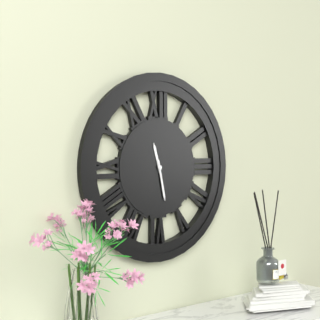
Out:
11.28
